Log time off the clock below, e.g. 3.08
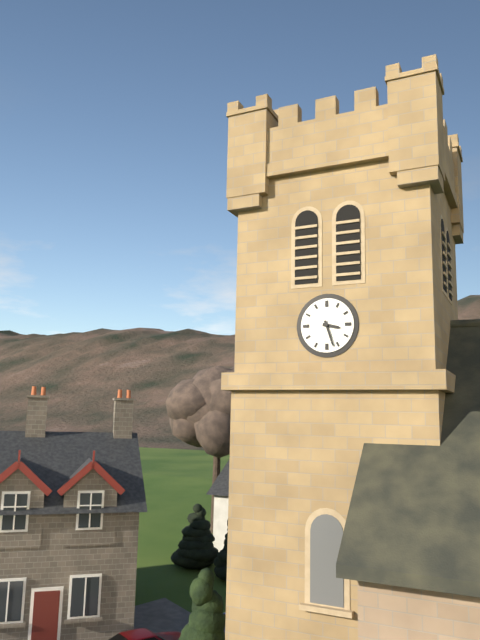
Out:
3.27
